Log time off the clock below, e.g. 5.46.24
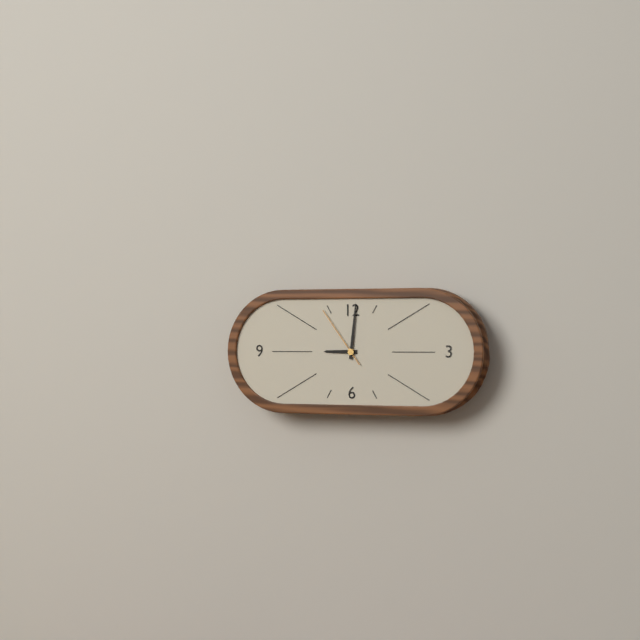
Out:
9.01.54
